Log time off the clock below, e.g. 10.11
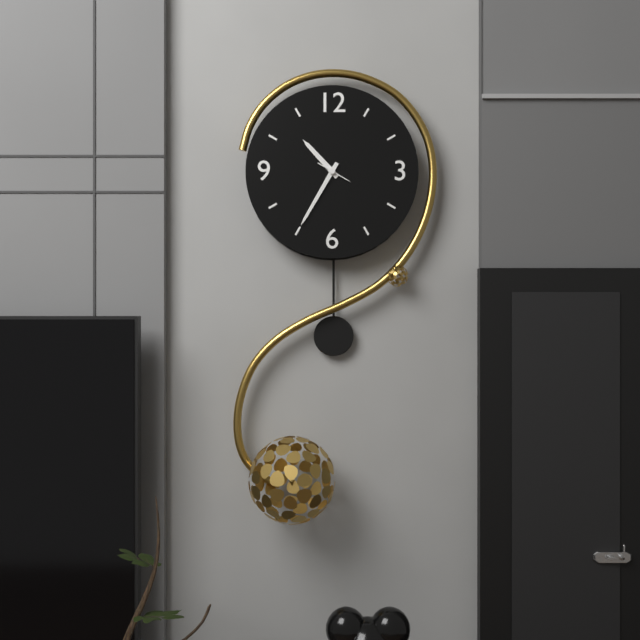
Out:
10.35
